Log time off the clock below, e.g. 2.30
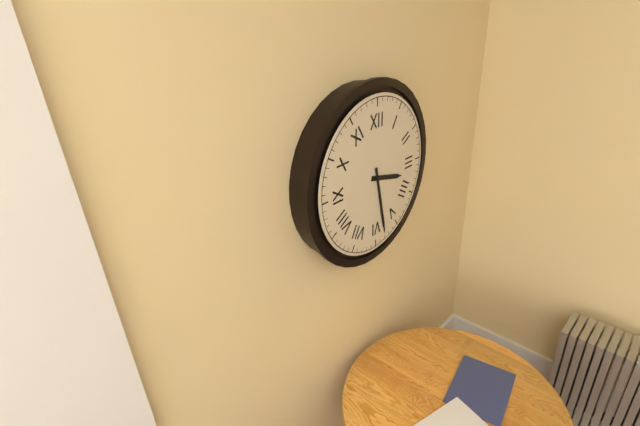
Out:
3.28
